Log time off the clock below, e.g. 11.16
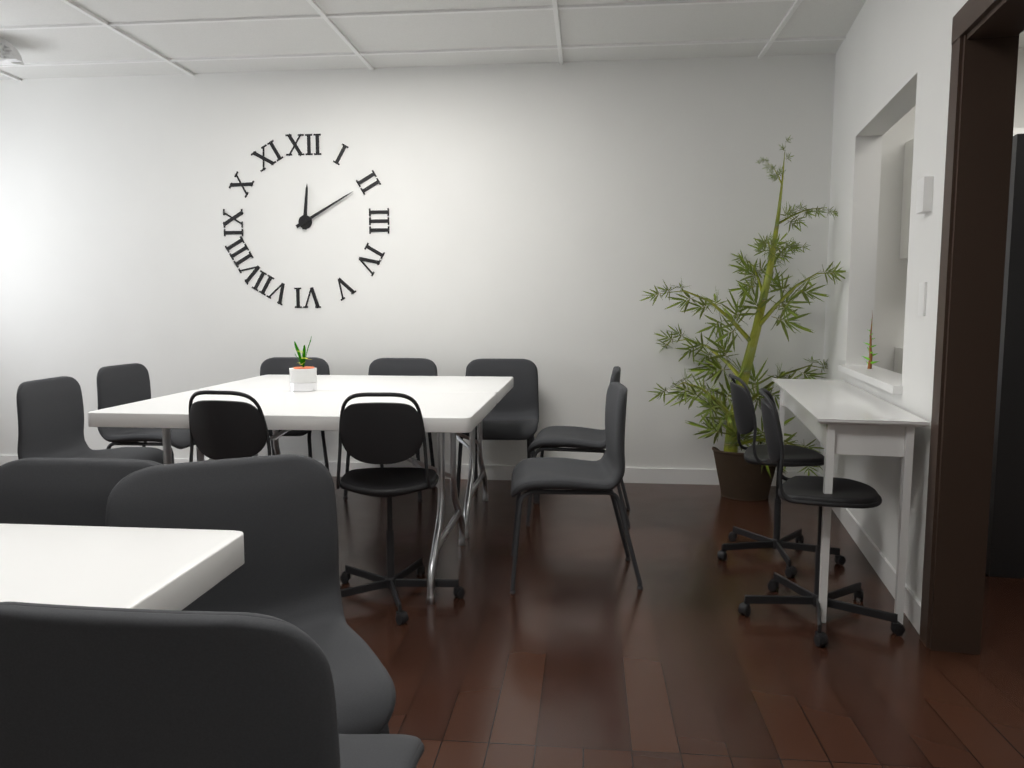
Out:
12.10
